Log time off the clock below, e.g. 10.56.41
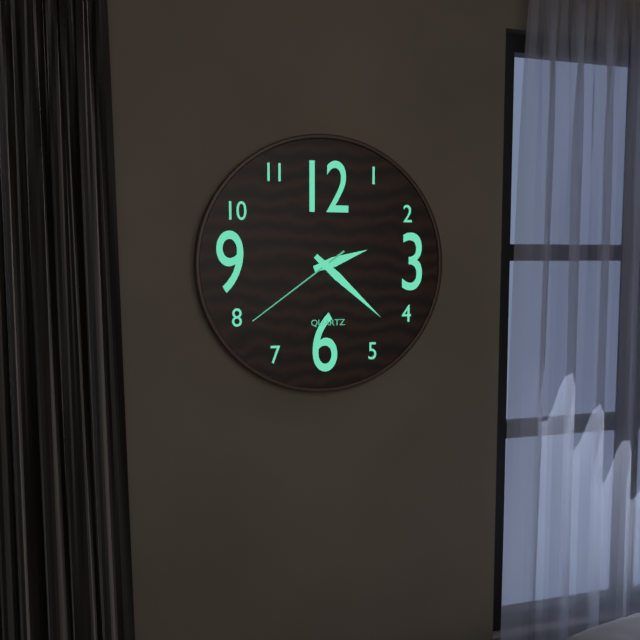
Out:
2.22.39
